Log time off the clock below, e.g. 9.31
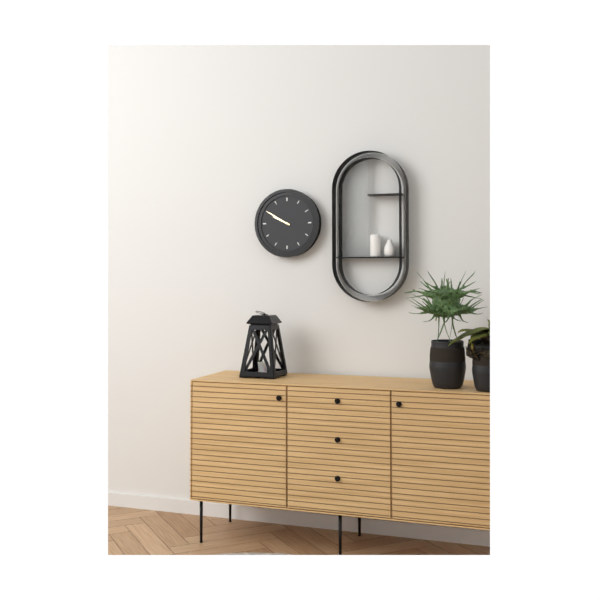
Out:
9.50
